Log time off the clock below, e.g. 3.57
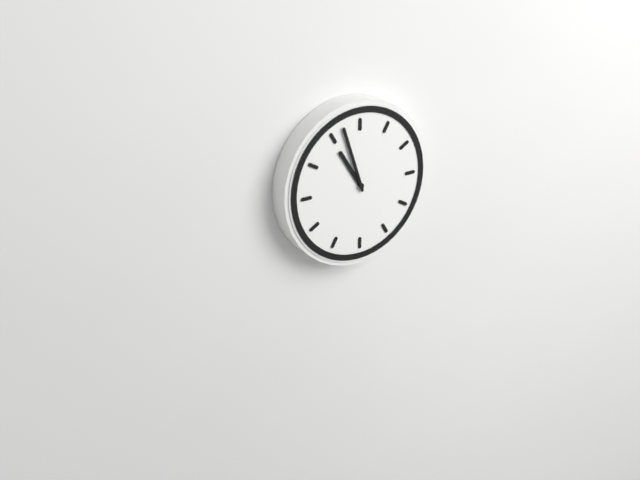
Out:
10.57
